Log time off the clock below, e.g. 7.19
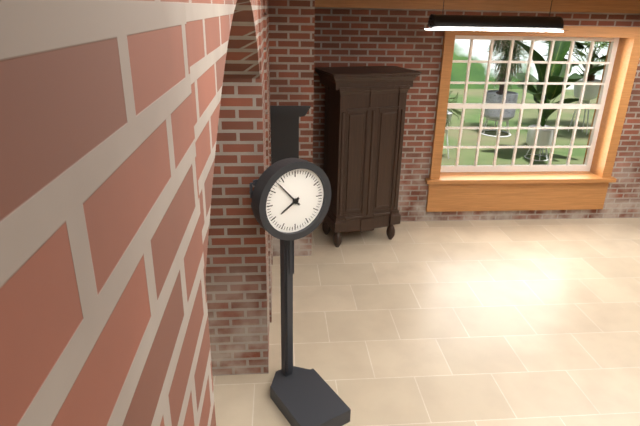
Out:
7.53
